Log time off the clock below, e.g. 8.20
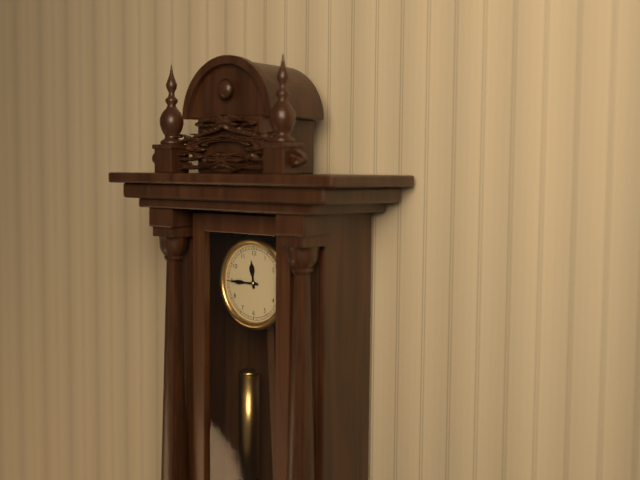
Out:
11.45
